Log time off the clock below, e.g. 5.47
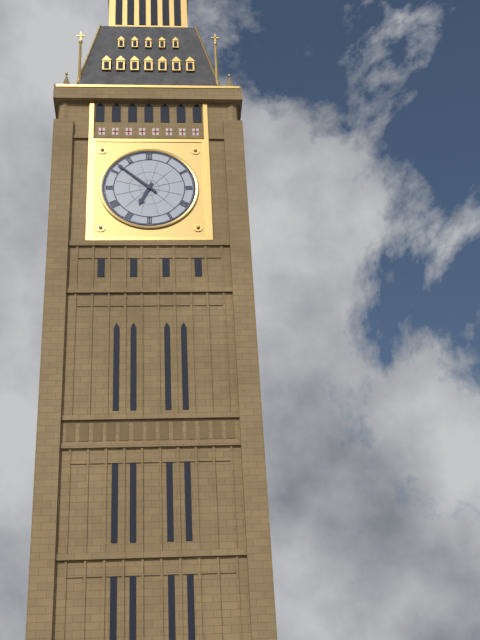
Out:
6.52
